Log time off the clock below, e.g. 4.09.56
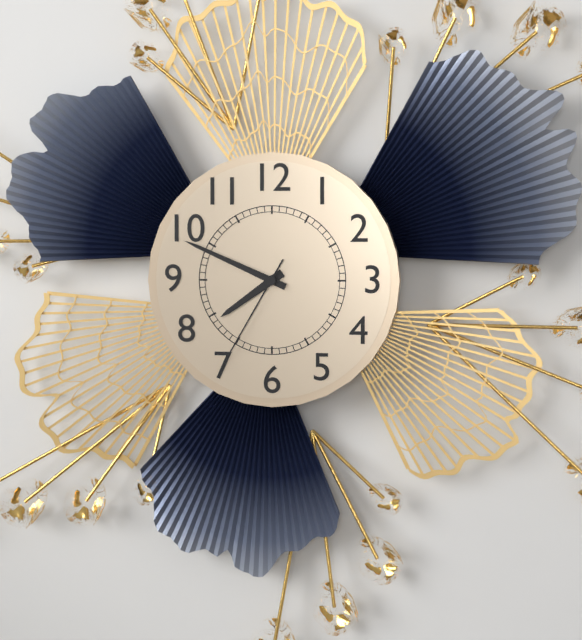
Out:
7.49.35
